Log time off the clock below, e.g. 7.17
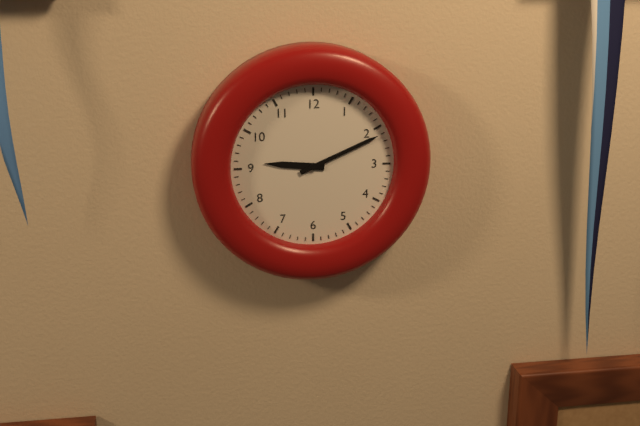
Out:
9.11
